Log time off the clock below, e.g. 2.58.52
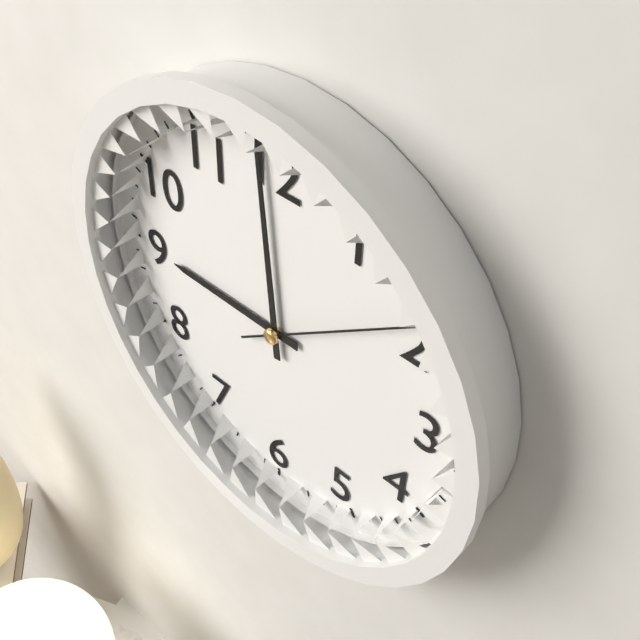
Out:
8.59.09
